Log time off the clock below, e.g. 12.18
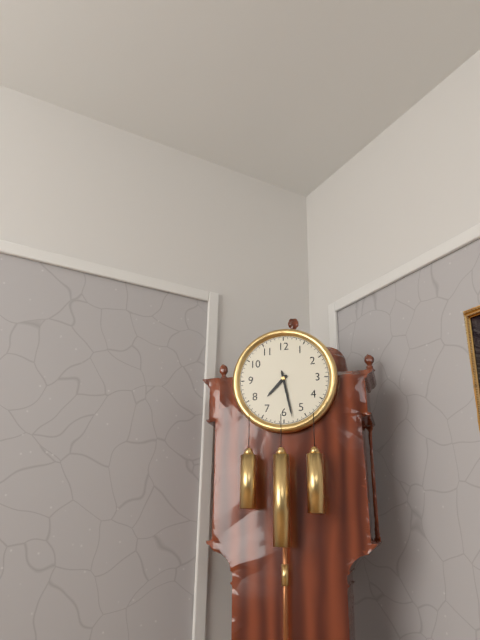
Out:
7.28
